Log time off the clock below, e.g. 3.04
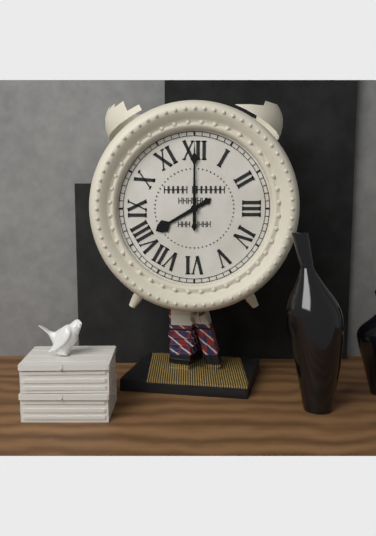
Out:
8.00
